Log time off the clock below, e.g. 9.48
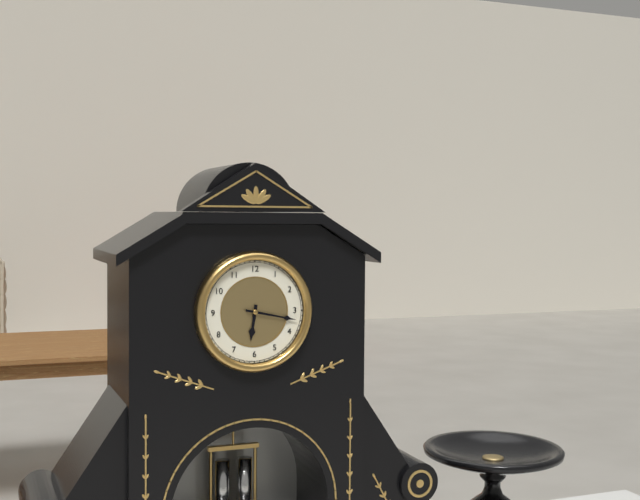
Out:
6.17
